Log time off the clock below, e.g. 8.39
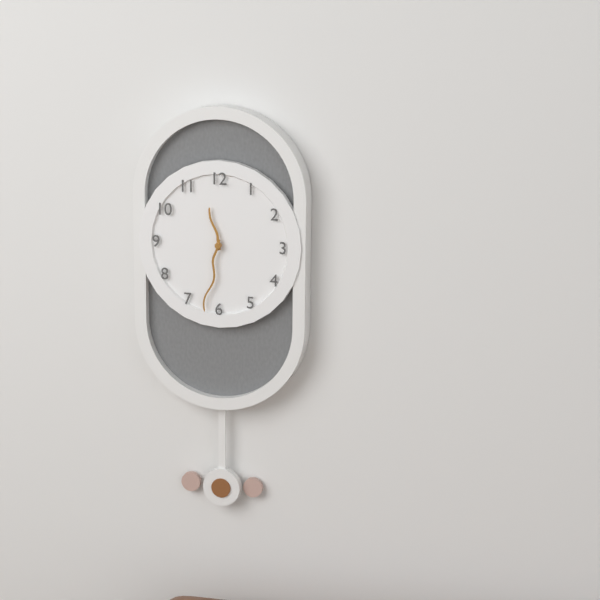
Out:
11.32
